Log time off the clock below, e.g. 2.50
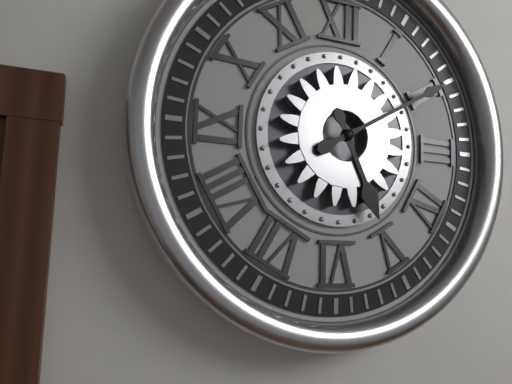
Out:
5.10
